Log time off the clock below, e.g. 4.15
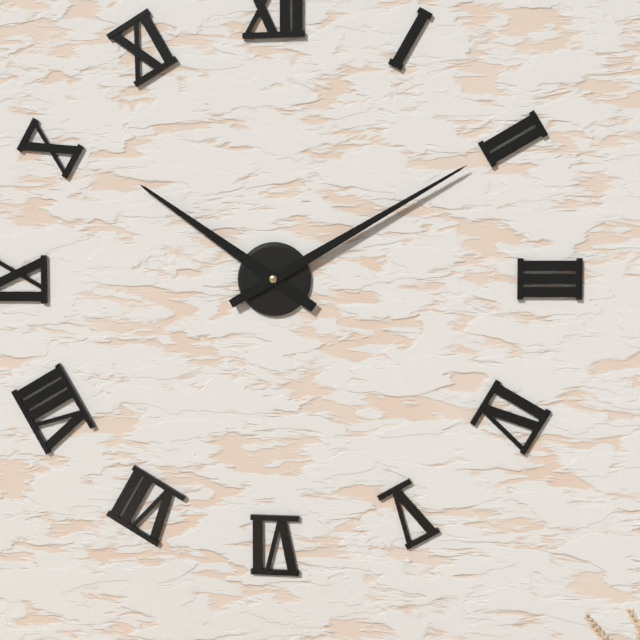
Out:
10.10
